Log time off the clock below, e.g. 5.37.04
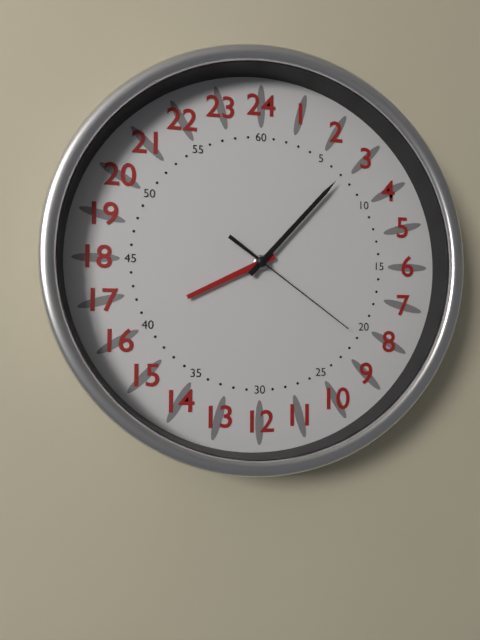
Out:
8.07.21
